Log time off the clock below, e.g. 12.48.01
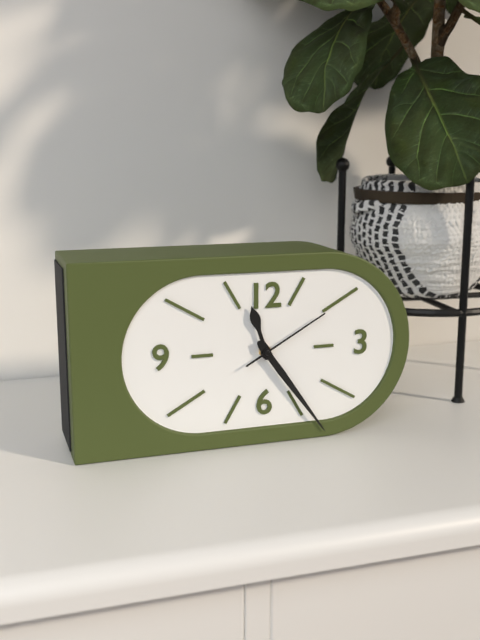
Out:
11.24.10
